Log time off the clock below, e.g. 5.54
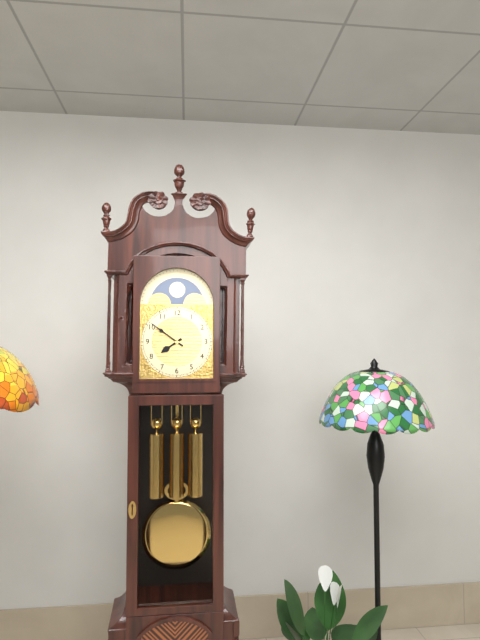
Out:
7.51
